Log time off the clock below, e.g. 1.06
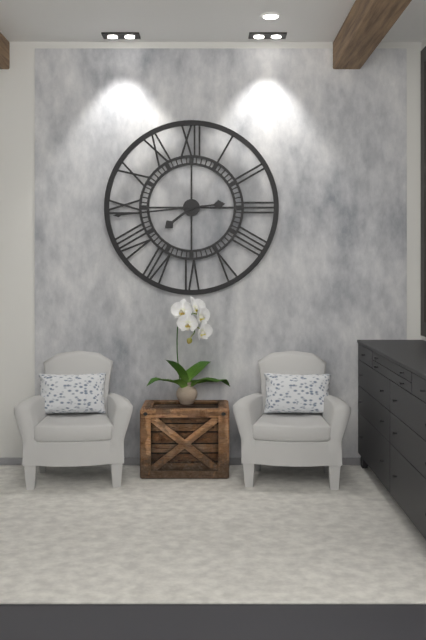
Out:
7.44
